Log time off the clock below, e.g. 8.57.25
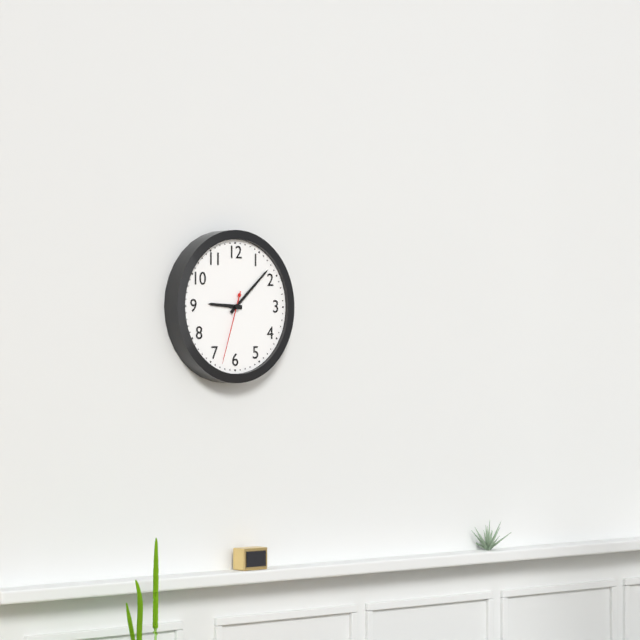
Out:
9.08.33
